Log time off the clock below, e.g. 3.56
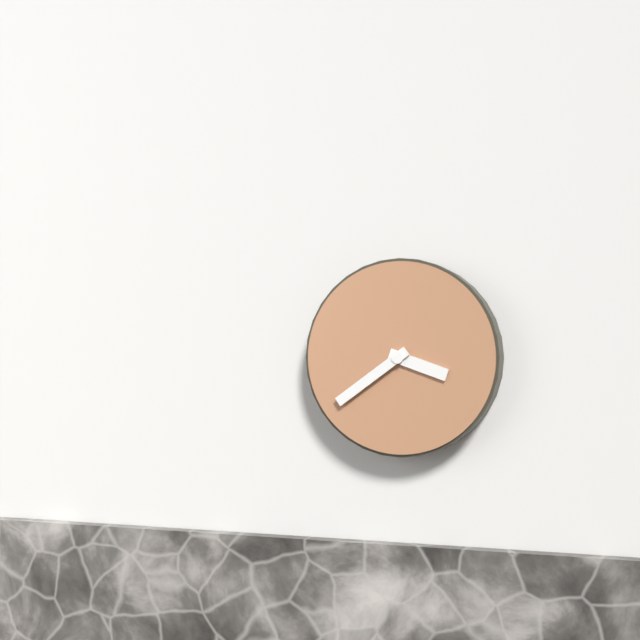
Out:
3.39
